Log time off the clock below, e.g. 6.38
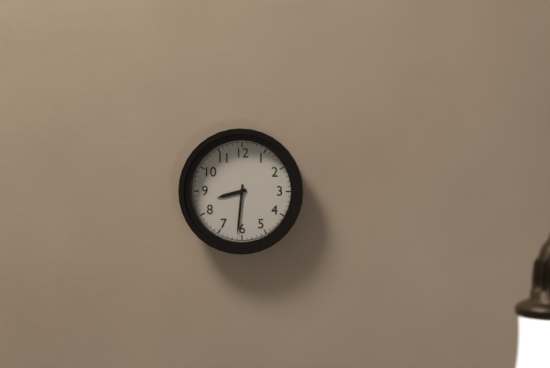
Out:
8.31
